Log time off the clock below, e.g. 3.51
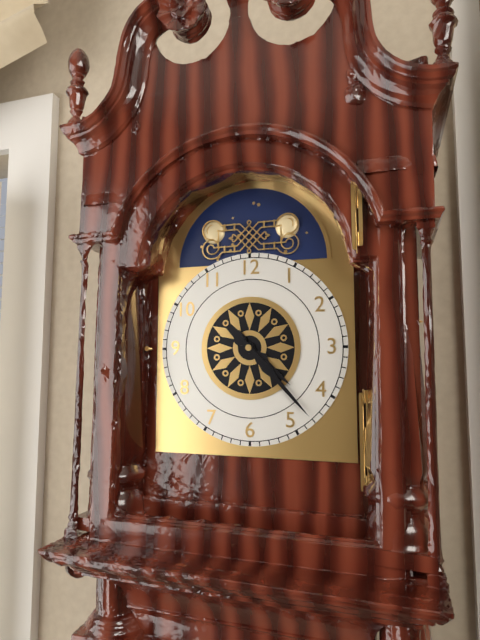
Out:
4.23
